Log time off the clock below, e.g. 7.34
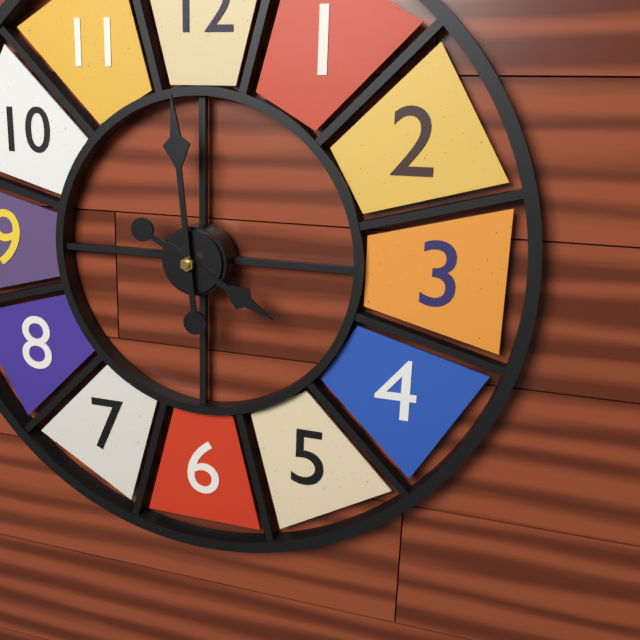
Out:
3.59
